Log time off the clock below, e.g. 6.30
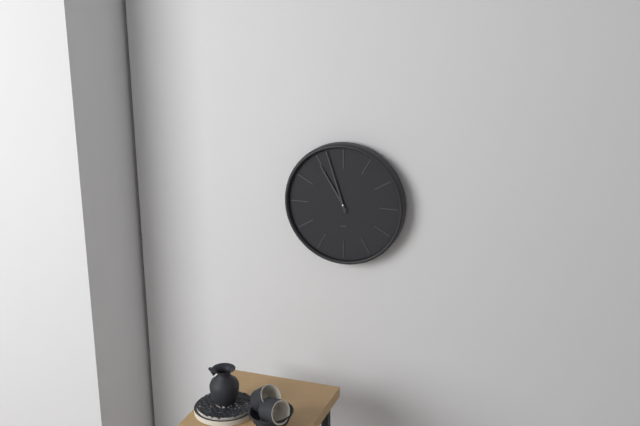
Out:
10.57
